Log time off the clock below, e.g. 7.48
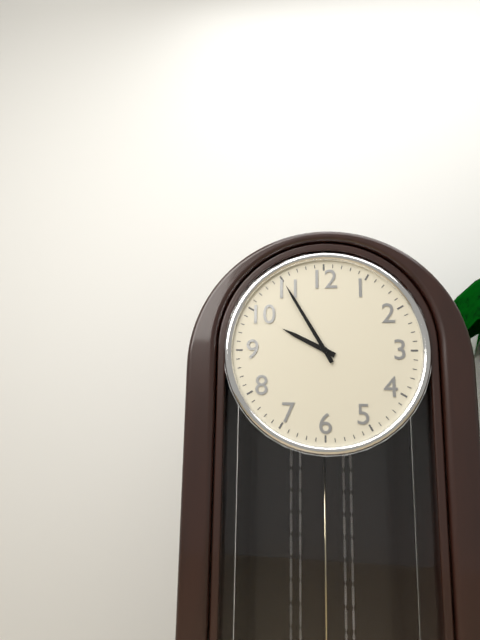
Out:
9.55
